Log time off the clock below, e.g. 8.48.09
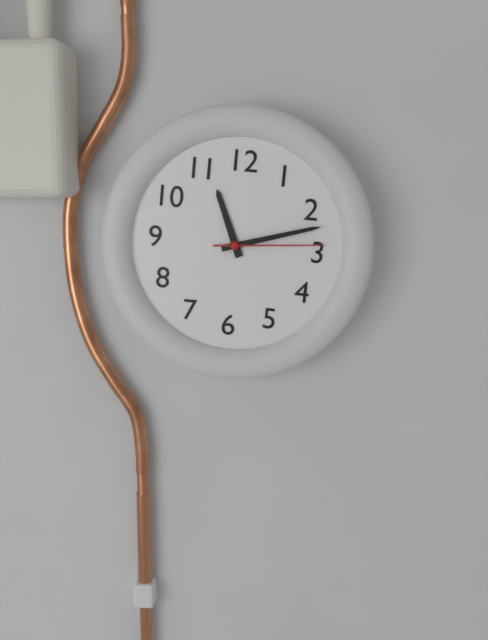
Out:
11.12.14
